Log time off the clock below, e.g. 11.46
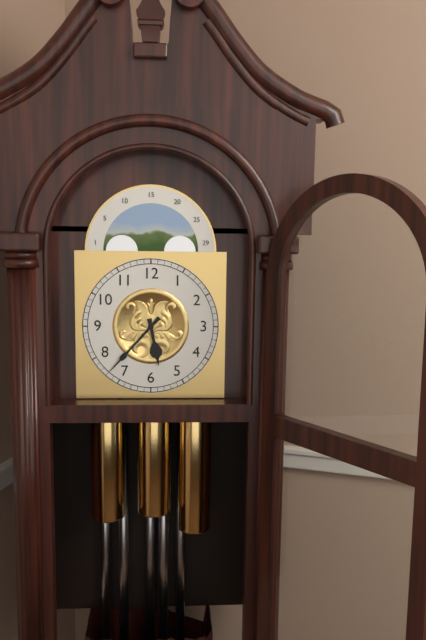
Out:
5.37
